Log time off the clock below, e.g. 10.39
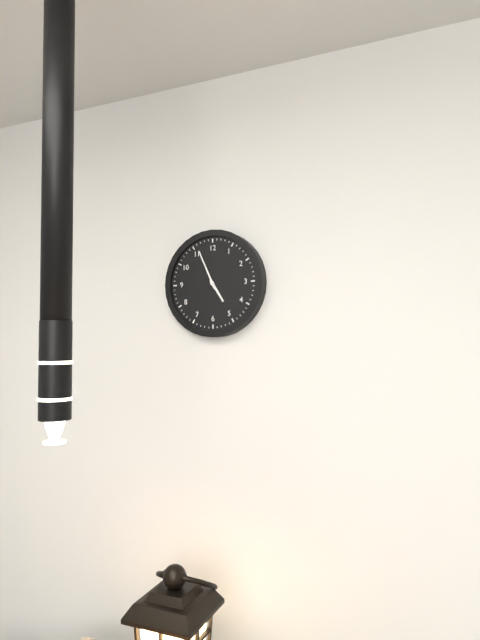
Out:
4.56
